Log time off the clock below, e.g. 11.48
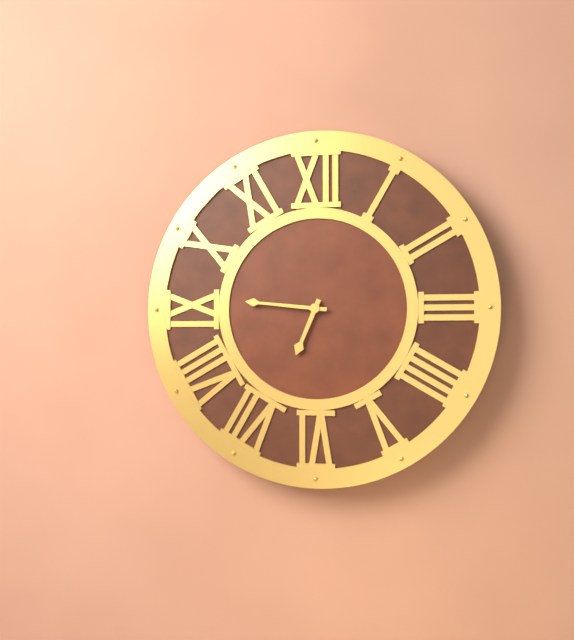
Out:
6.46
